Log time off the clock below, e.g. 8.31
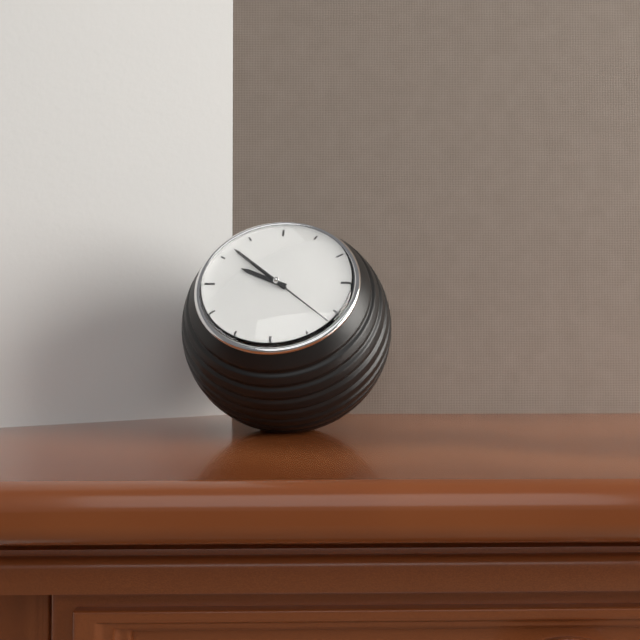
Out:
9.52
